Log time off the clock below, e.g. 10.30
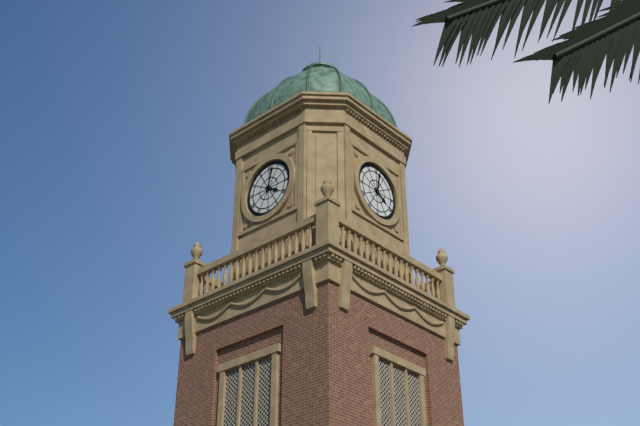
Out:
4.02
